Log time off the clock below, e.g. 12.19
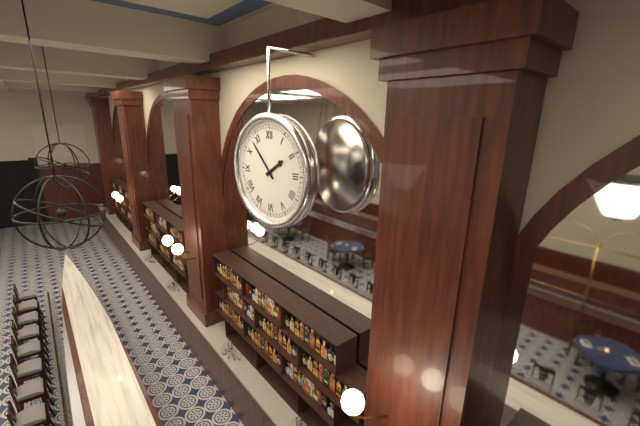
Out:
1.53
